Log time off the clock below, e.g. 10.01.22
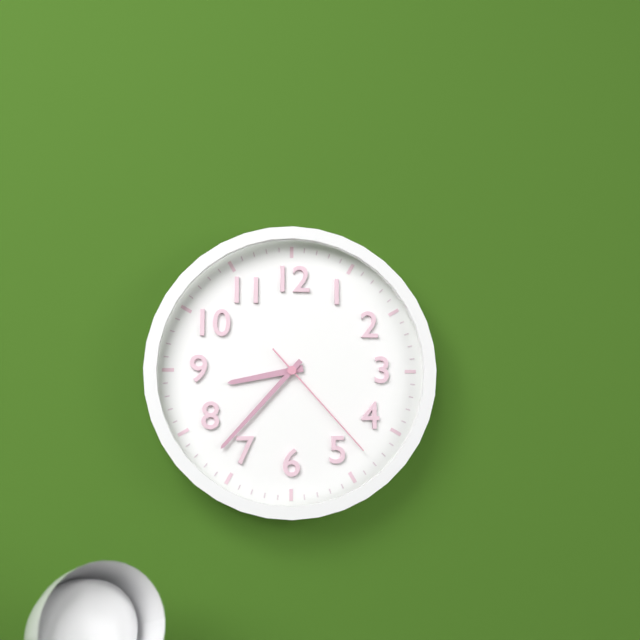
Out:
8.37.23
